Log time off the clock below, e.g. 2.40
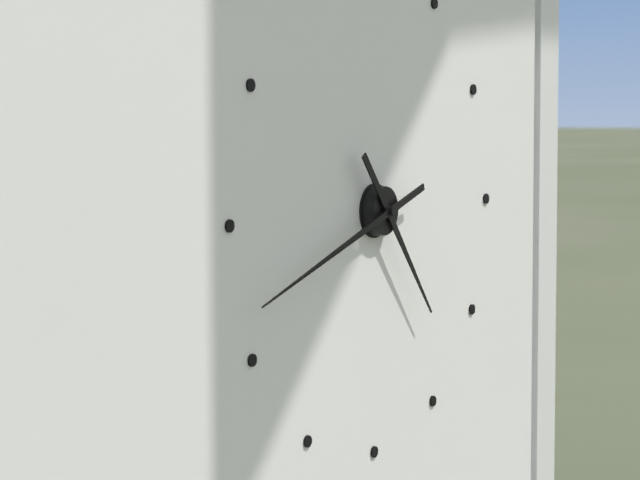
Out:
4.42
